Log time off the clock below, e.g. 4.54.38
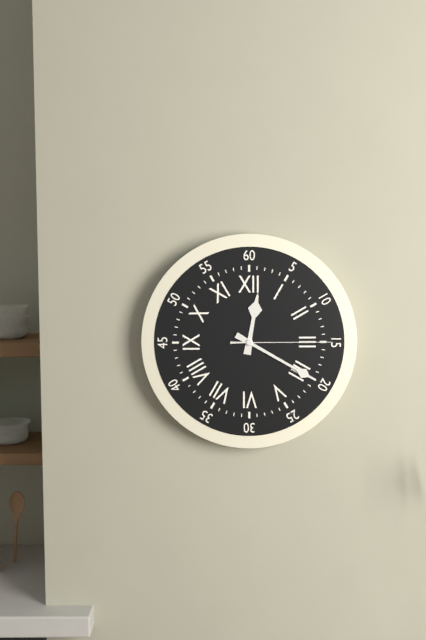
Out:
12.20.15
